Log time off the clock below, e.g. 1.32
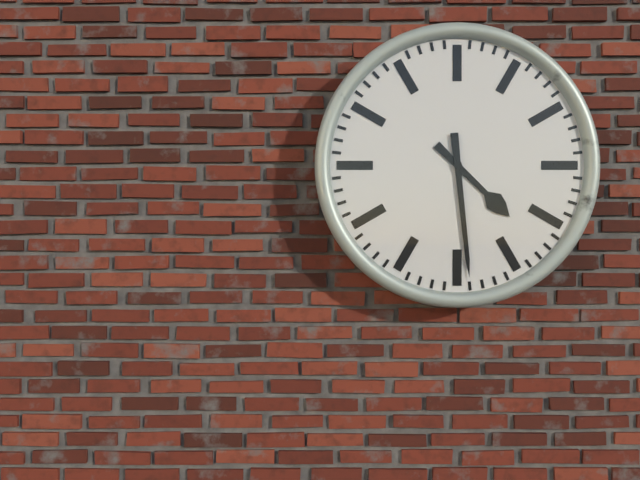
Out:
4.29
